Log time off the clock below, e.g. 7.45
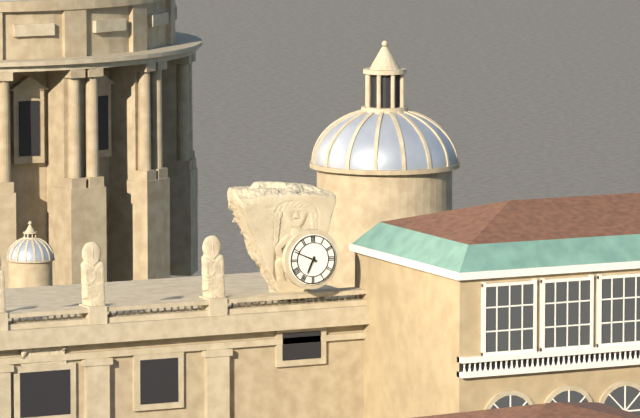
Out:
6.49
